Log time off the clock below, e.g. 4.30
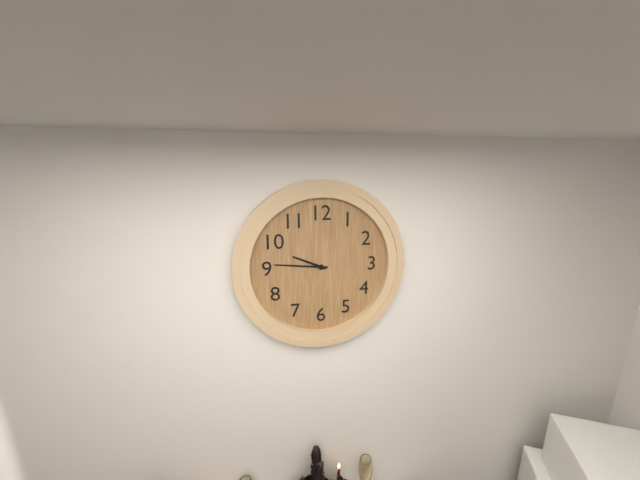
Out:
9.46
